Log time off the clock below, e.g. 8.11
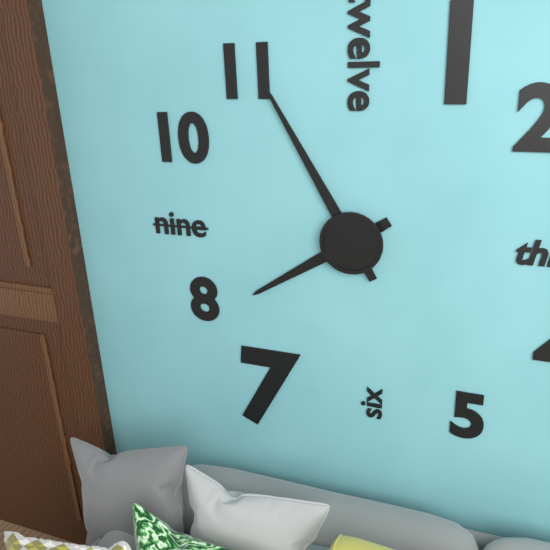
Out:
7.55
